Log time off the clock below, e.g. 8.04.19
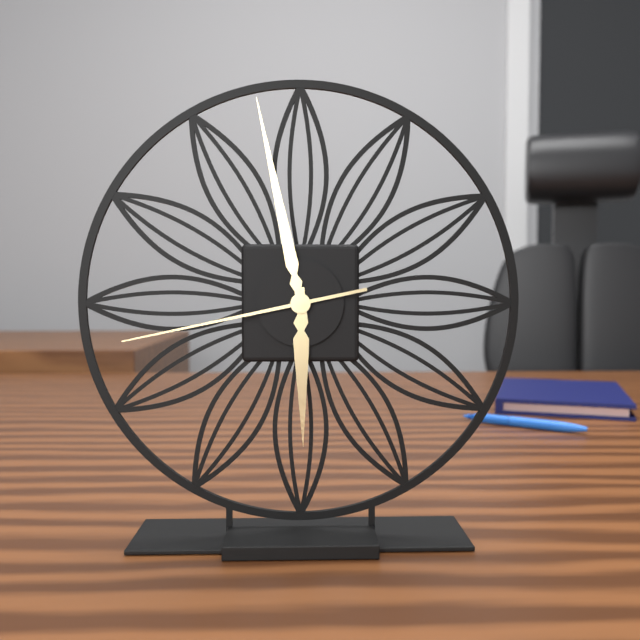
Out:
5.58.43
